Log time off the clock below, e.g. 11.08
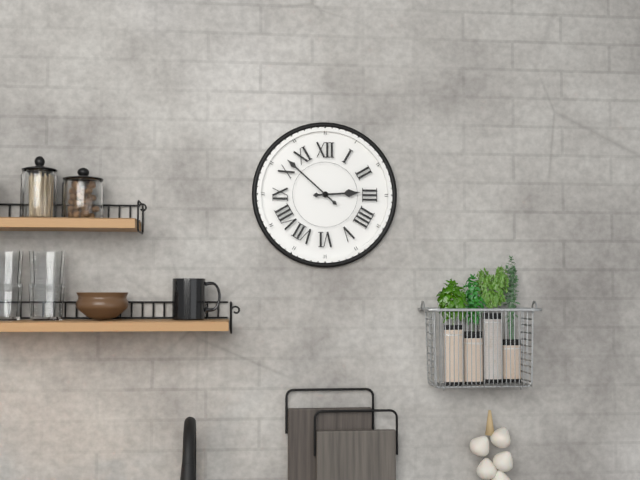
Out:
2.52
